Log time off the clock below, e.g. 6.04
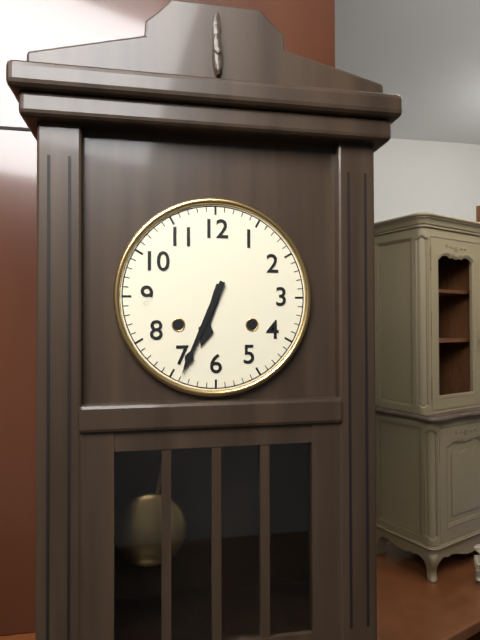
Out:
6.34
